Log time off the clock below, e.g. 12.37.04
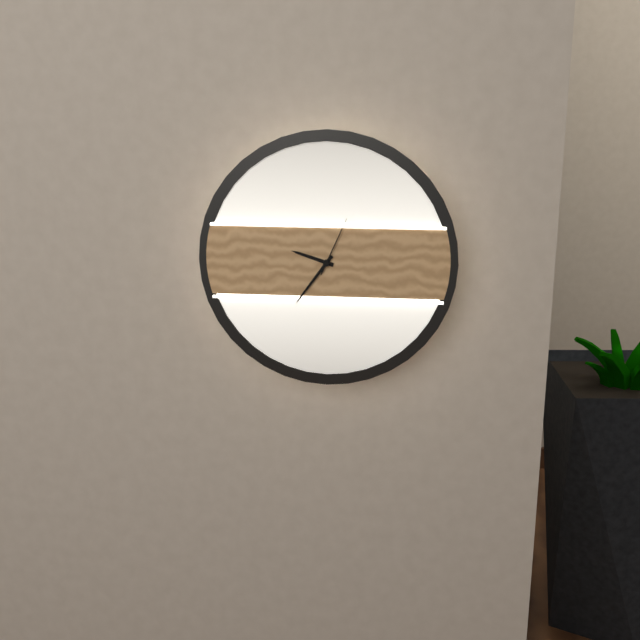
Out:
9.36.04
